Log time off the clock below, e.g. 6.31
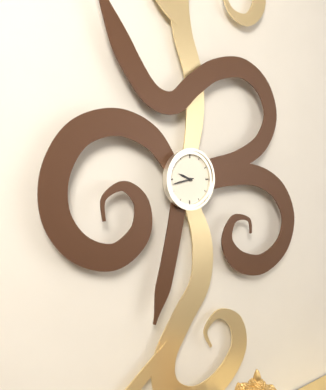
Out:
9.43
